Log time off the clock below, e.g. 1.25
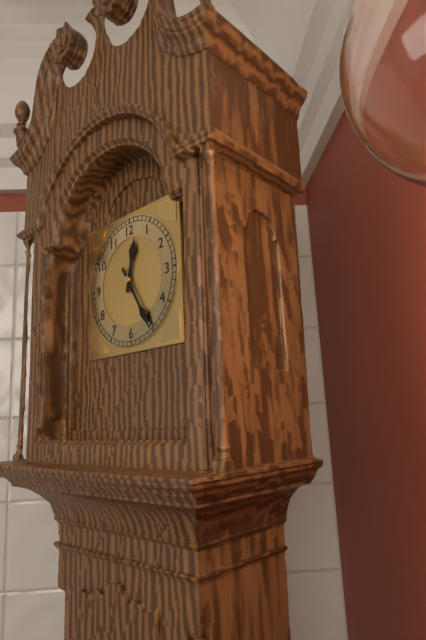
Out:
12.25
